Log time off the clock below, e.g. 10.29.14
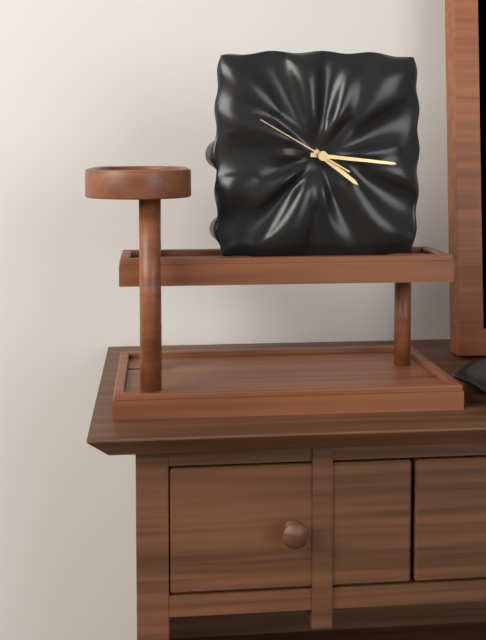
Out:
4.16.50
